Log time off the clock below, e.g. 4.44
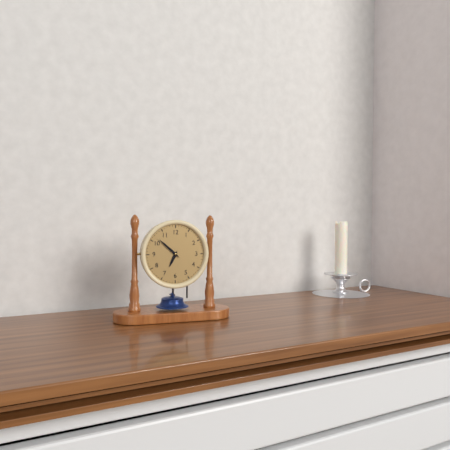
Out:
6.52
